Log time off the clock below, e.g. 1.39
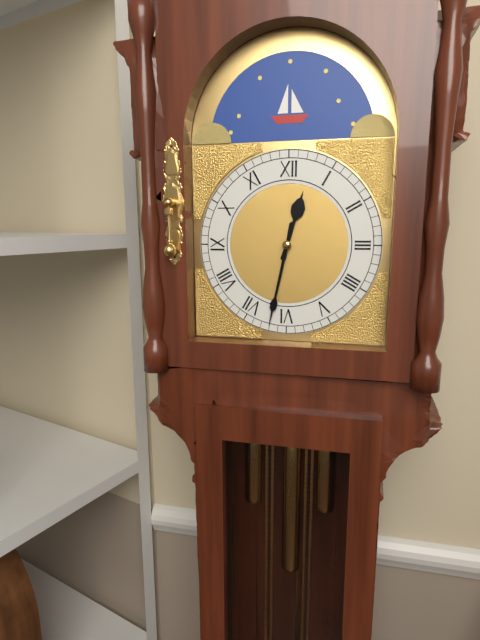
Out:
12.32
